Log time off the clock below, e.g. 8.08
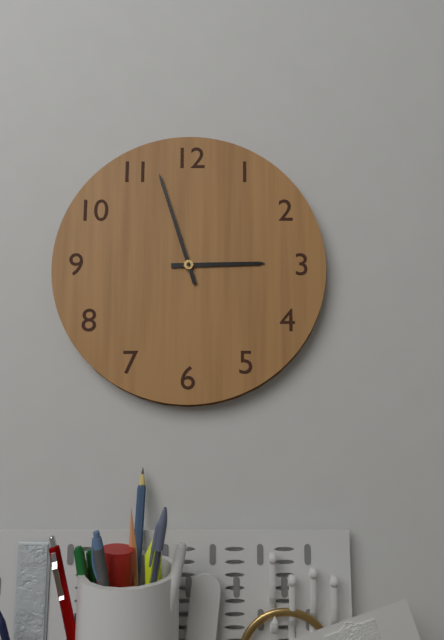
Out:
2.57
